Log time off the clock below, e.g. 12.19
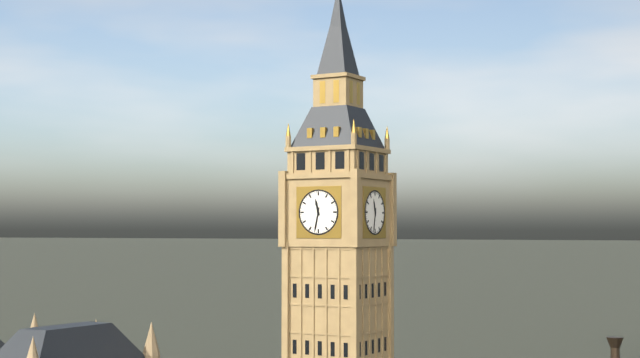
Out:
11.32
